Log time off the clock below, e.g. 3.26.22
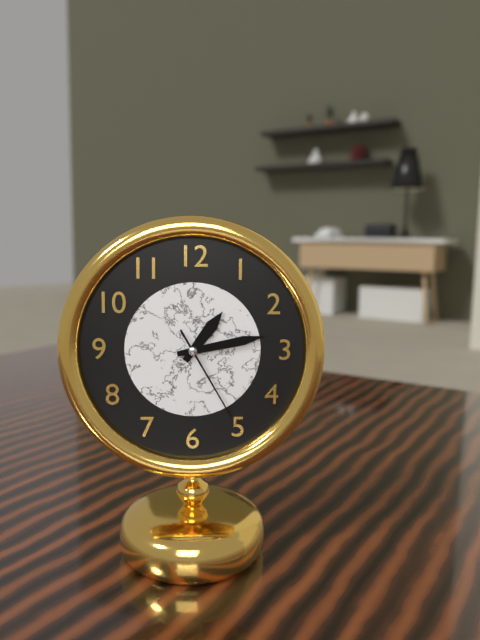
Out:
1.13.25
